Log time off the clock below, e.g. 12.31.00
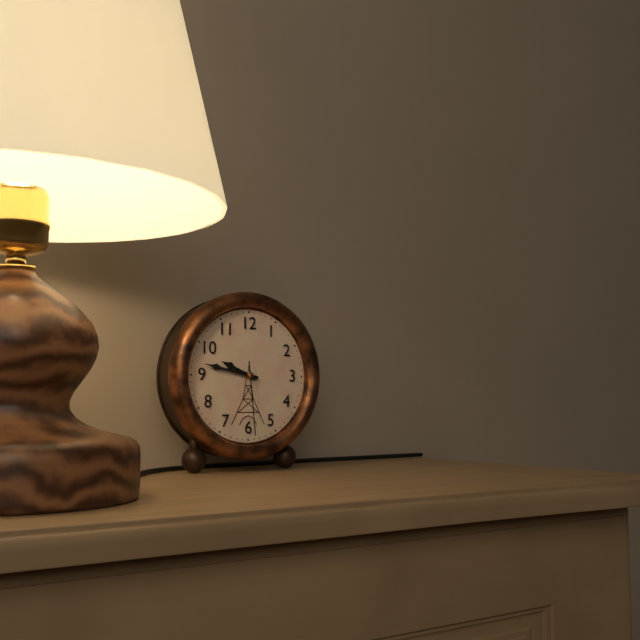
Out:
9.47.29
